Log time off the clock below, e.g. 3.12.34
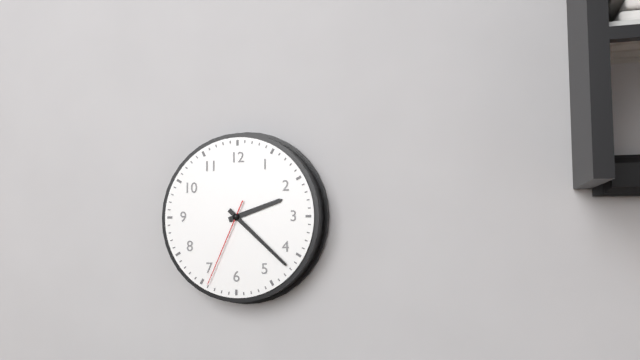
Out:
2.22.34
